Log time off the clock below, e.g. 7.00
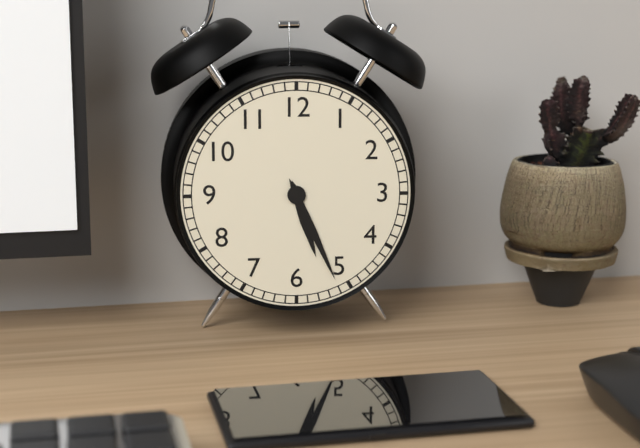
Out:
5.26
